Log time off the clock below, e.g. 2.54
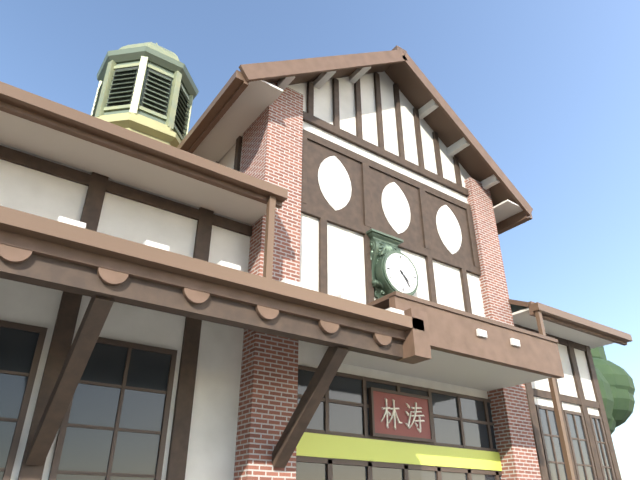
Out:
4.24
